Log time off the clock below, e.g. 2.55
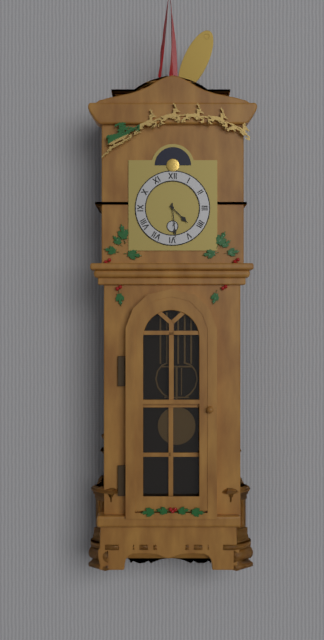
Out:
4.29
